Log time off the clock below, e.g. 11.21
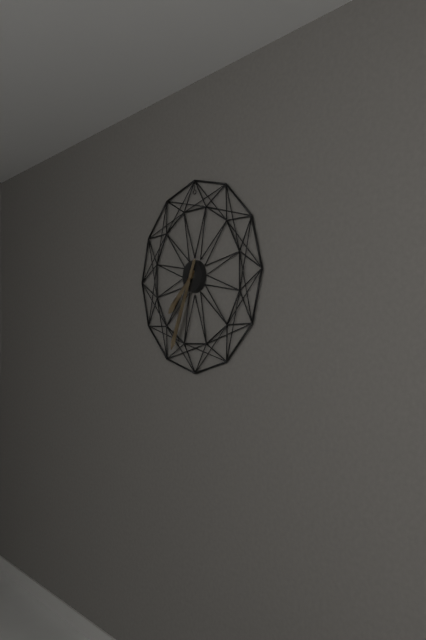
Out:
7.34
